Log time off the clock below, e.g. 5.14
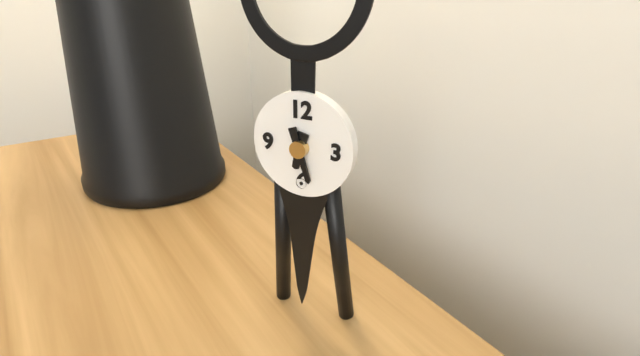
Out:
6.27
